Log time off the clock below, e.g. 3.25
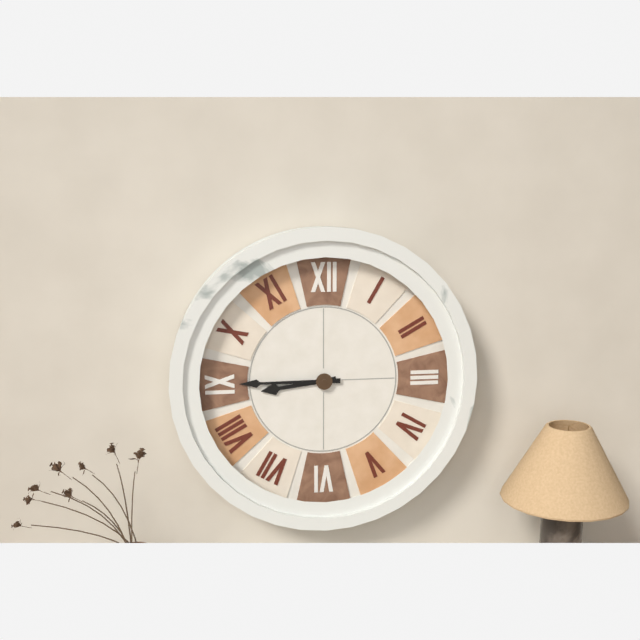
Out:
8.45
